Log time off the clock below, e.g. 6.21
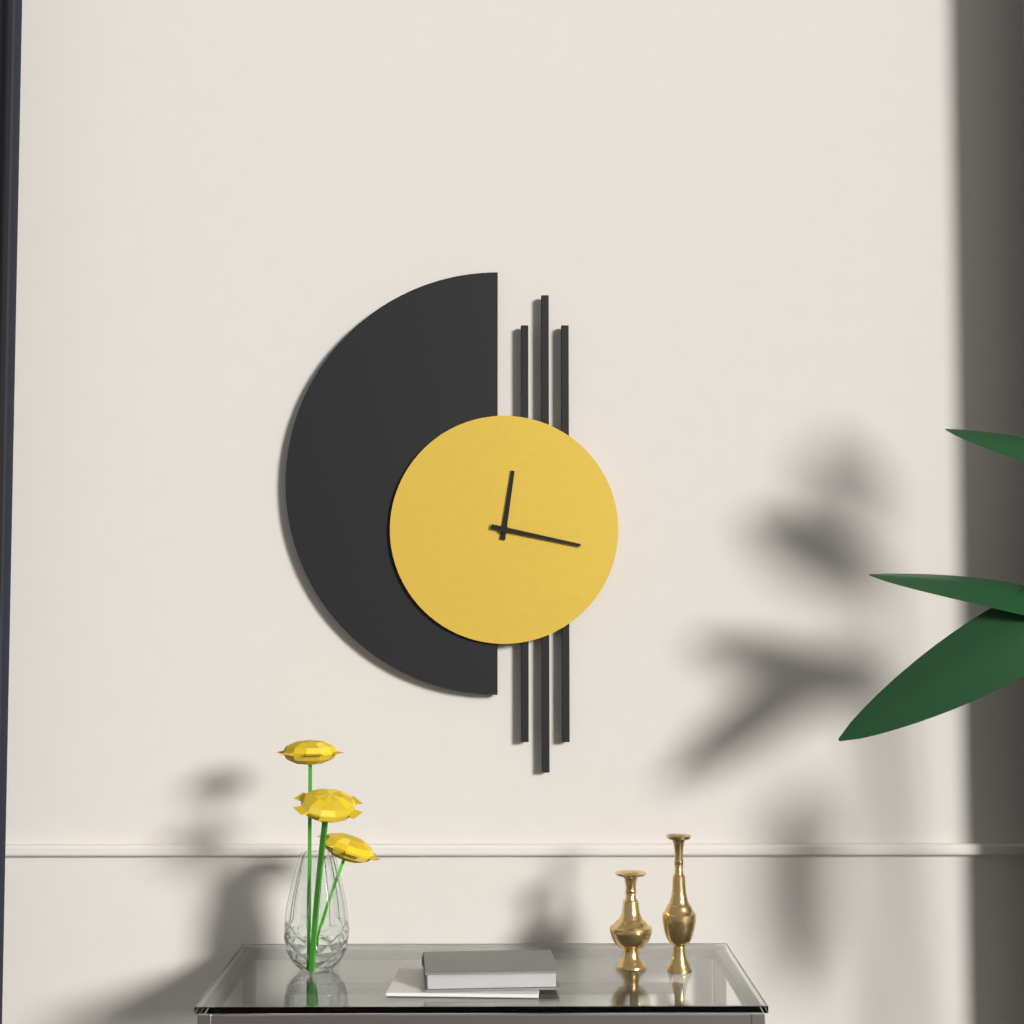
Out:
12.17
